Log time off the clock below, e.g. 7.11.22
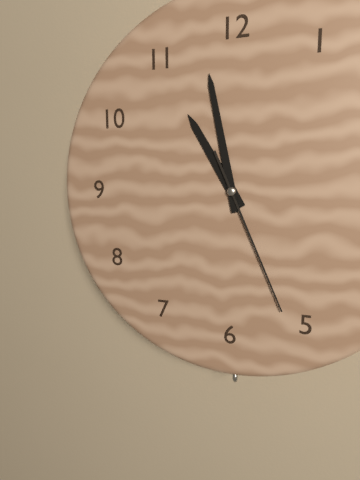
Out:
10.58.26
